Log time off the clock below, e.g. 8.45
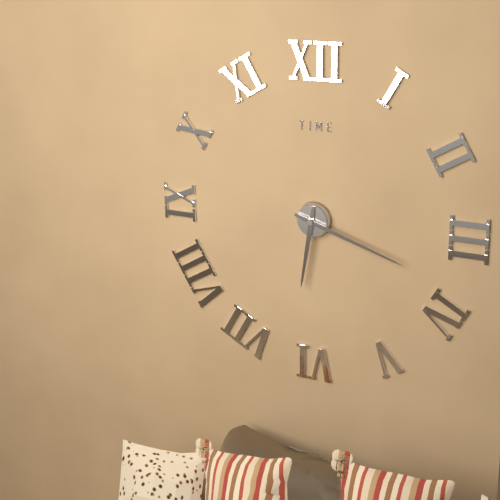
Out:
6.18
